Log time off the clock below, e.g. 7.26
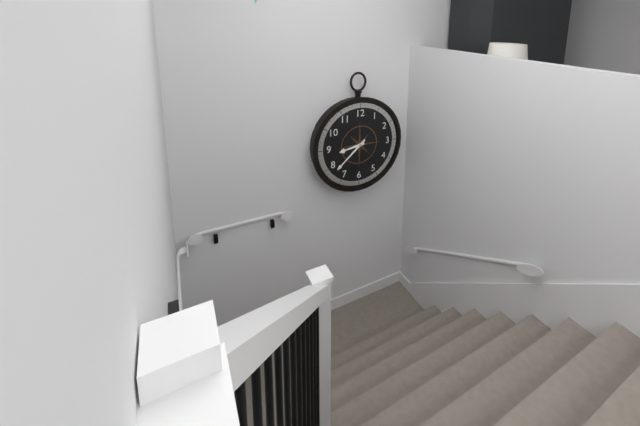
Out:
8.38
